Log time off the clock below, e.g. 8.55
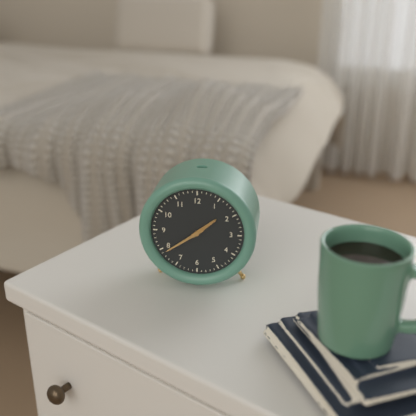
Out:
1.39
